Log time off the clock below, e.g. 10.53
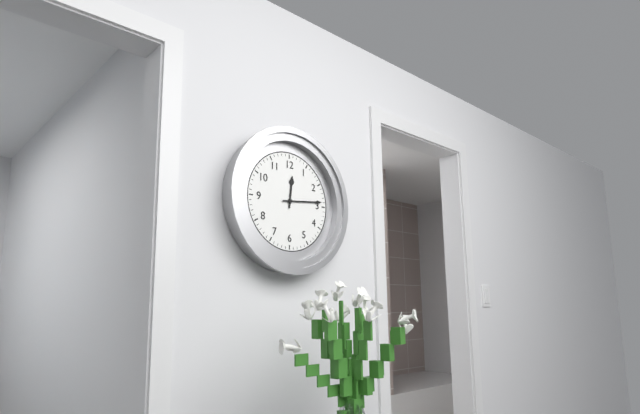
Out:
12.14
